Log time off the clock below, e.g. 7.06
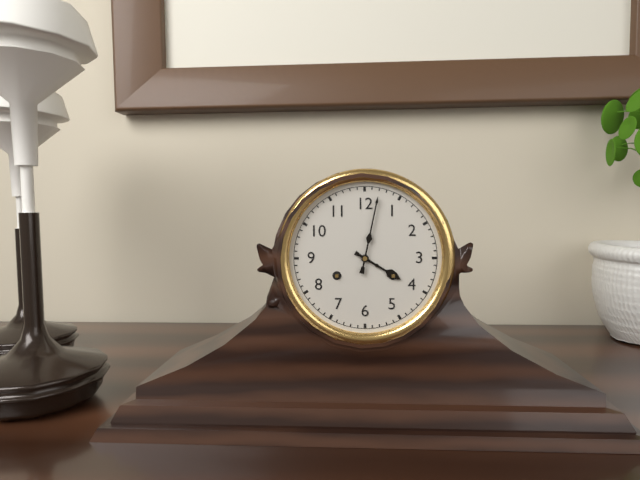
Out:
4.02
